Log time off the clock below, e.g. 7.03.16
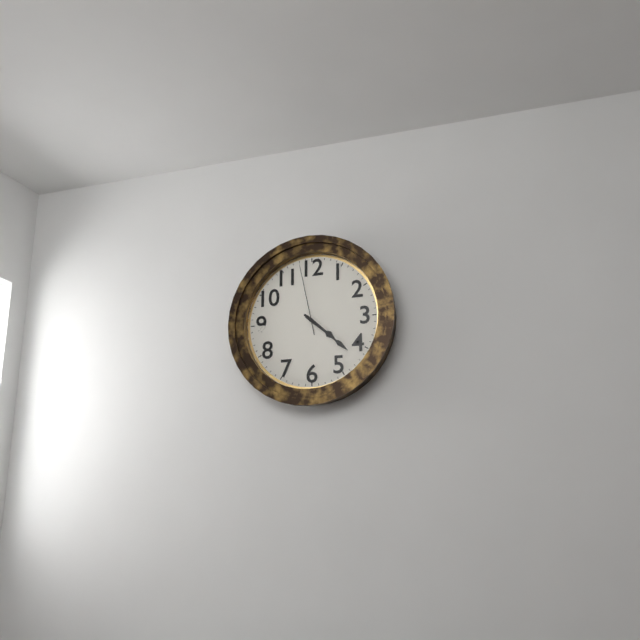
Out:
4.22.58
